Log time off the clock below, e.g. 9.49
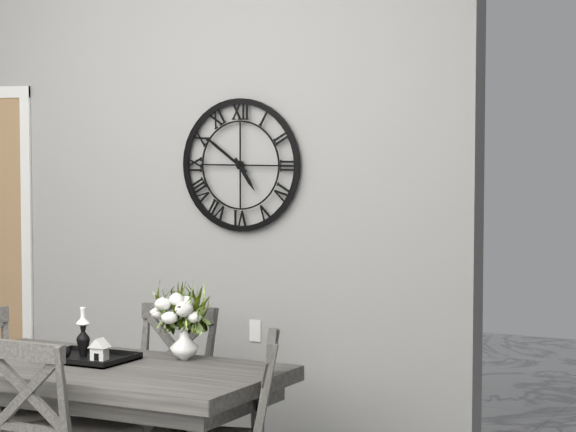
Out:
4.51
